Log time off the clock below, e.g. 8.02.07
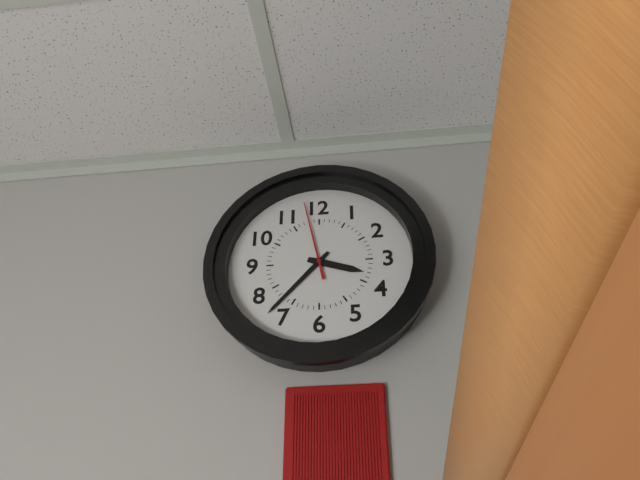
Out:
3.37.58
